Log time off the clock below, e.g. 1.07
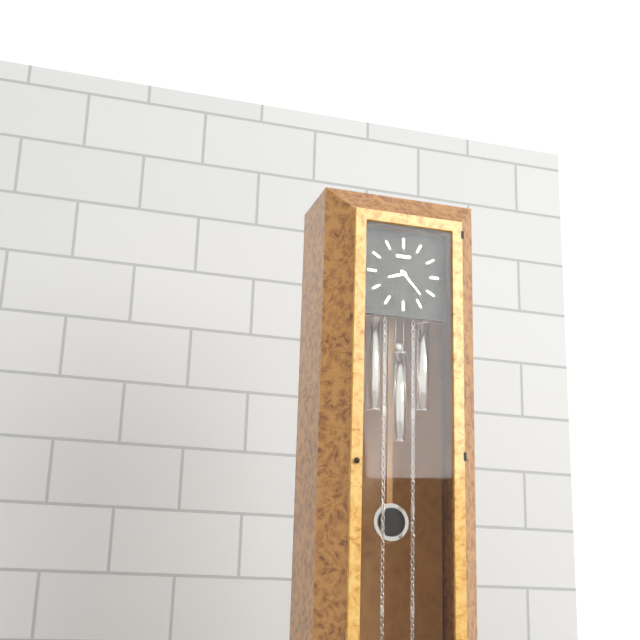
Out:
8.23
